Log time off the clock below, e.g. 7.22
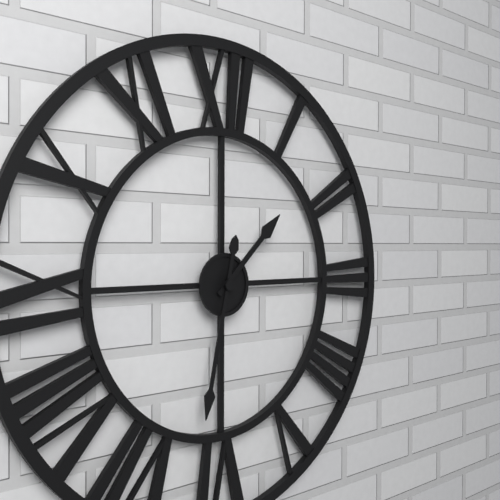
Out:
1.32
